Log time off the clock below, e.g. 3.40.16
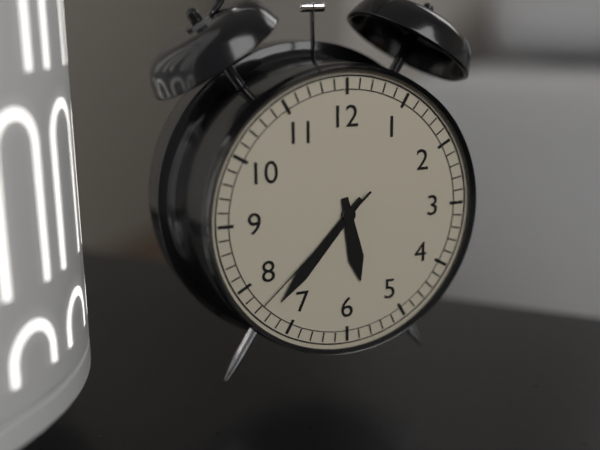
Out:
5.37.38
